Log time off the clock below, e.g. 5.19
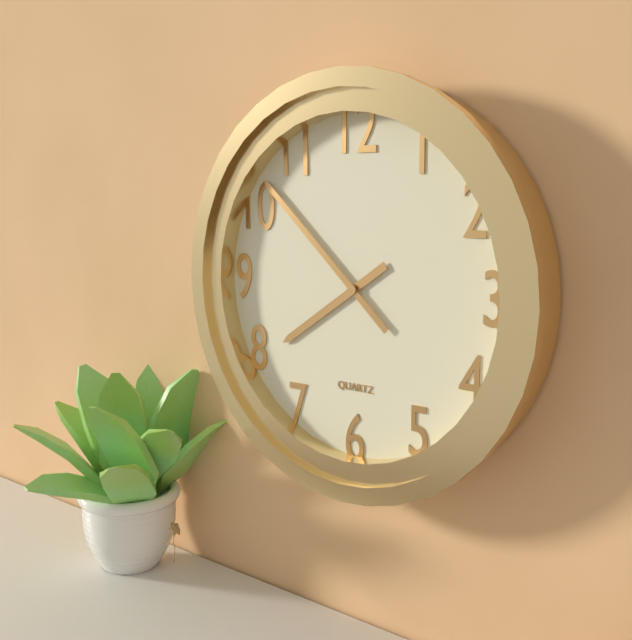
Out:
7.52
